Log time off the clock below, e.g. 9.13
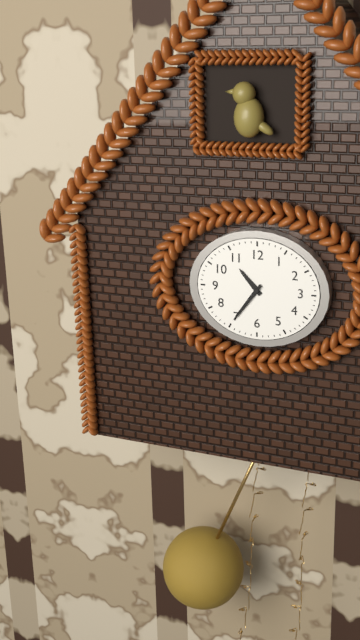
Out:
10.36
